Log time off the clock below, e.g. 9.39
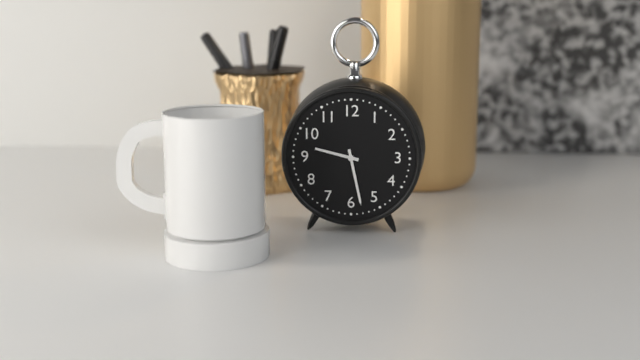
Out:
9.28
